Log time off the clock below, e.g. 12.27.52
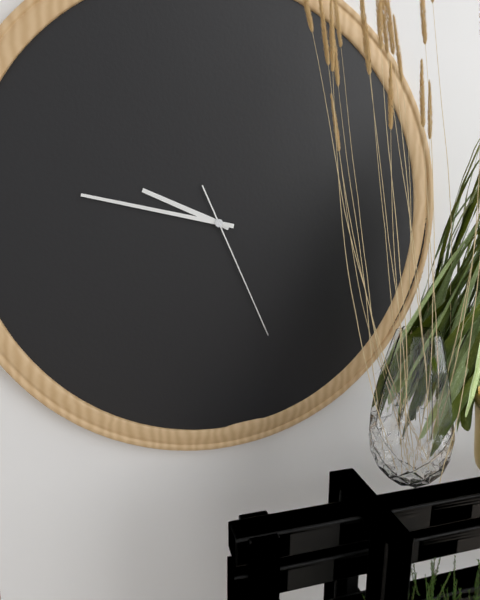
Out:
9.47.26
